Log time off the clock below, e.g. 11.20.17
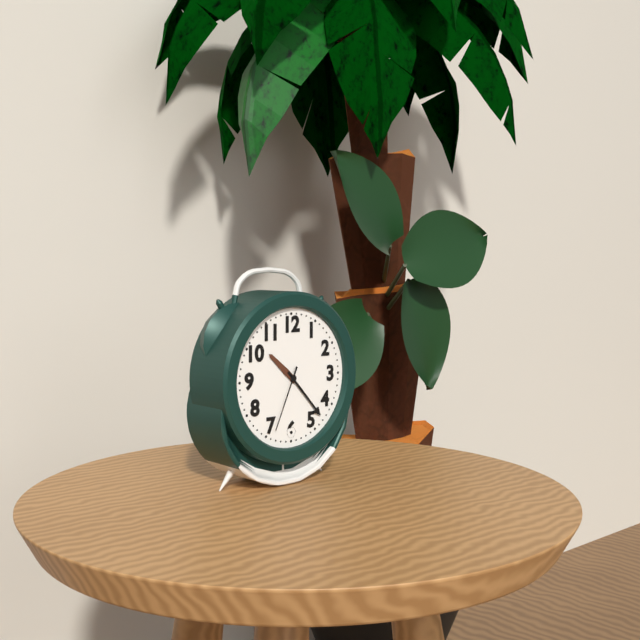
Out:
10.23.34
